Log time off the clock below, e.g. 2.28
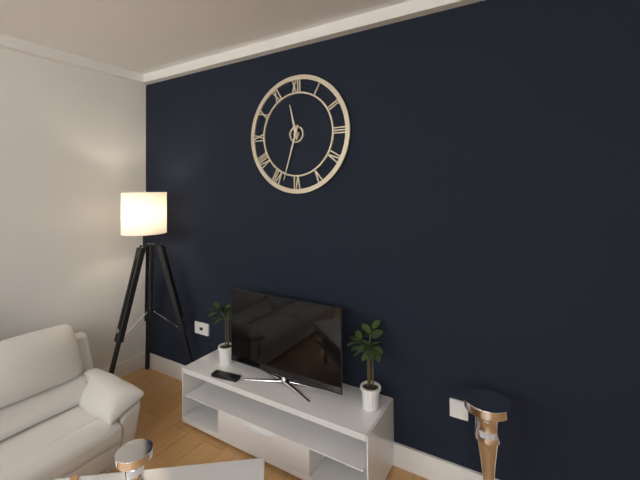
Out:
11.33
